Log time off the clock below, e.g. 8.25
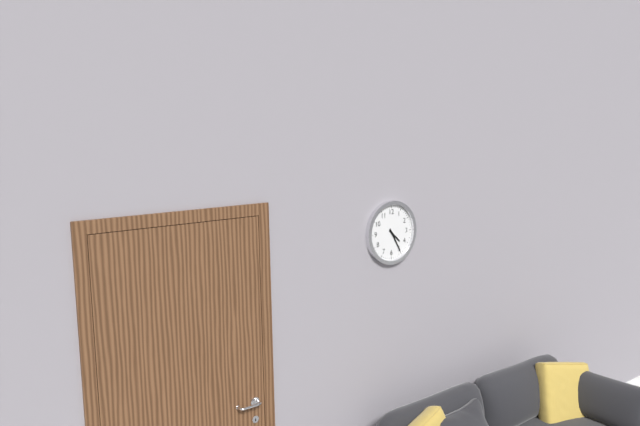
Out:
4.25
